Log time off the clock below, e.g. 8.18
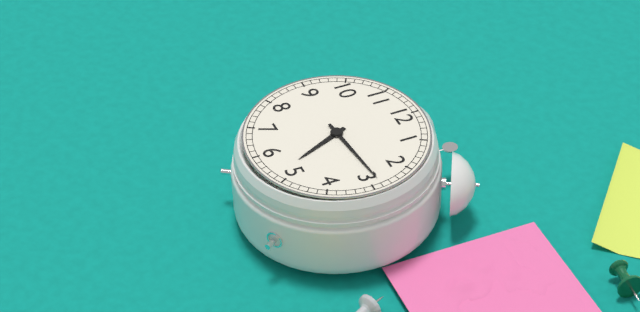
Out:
5.14
